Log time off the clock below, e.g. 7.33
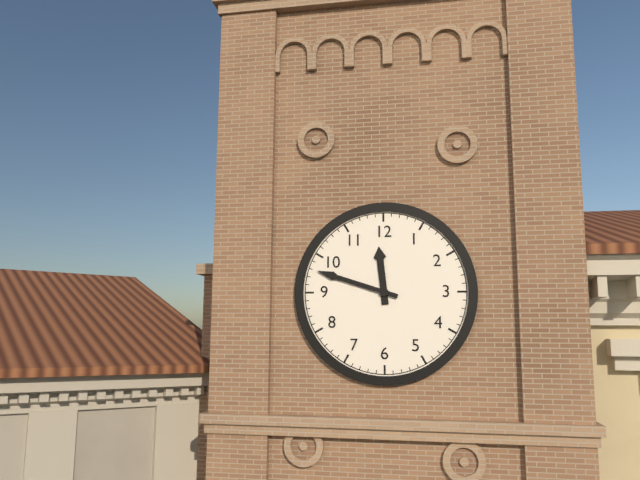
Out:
11.48
